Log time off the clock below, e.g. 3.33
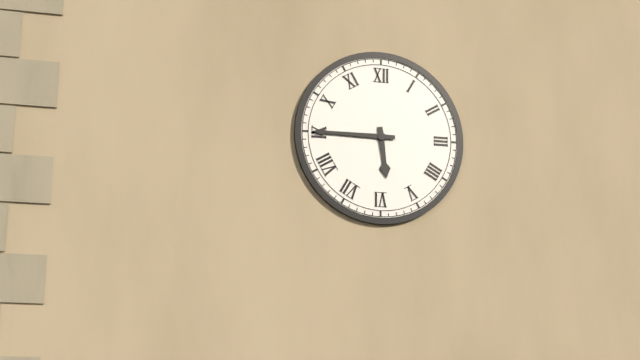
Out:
5.45
